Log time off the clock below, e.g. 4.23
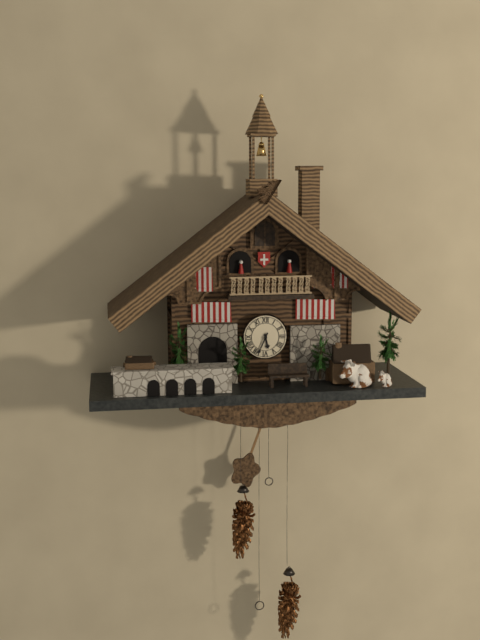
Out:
5.34
